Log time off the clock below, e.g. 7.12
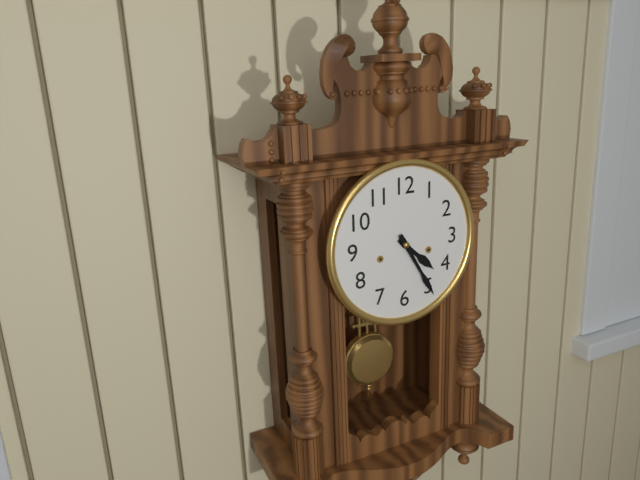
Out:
4.25
